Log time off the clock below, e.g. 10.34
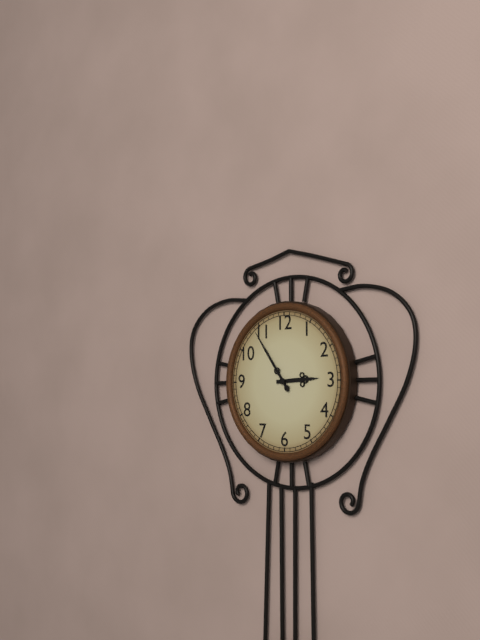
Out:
2.54
